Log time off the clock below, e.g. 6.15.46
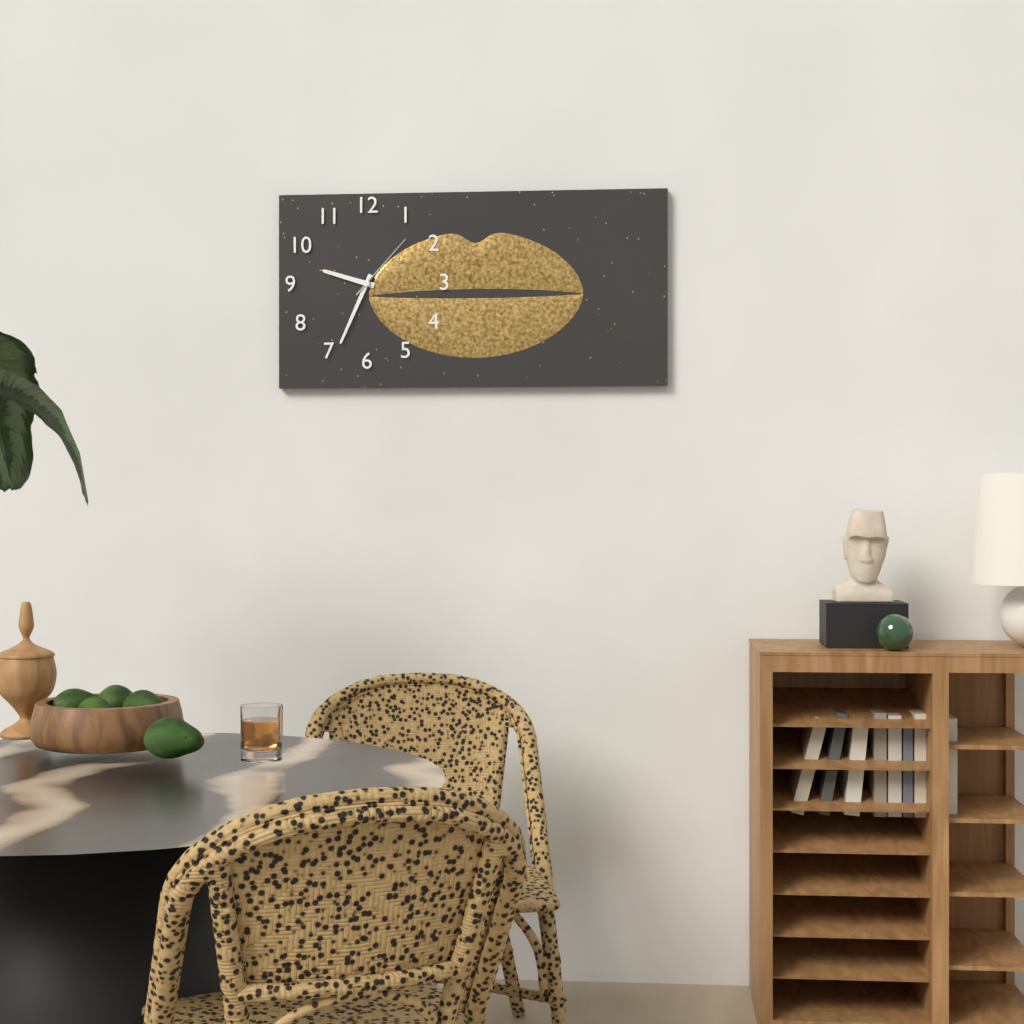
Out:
9.34.07
